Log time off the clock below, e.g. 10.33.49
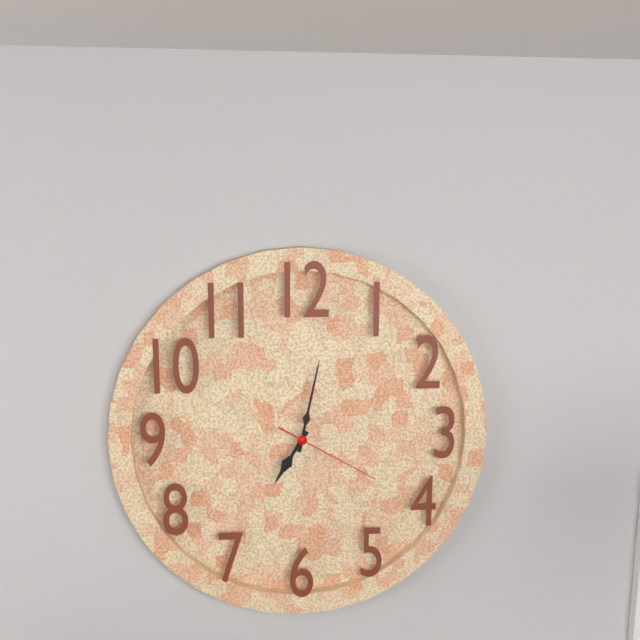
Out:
7.02.20
